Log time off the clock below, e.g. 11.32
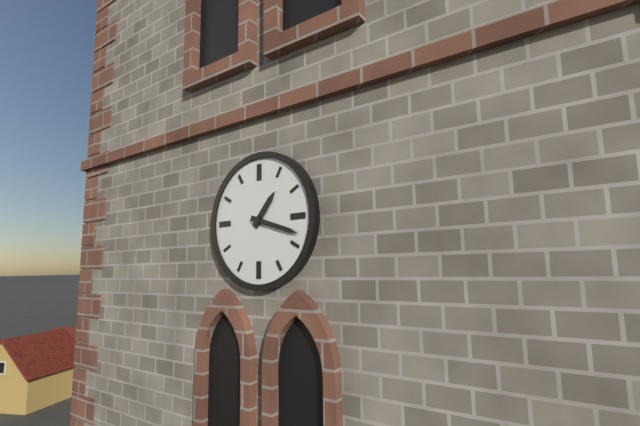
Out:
1.18
